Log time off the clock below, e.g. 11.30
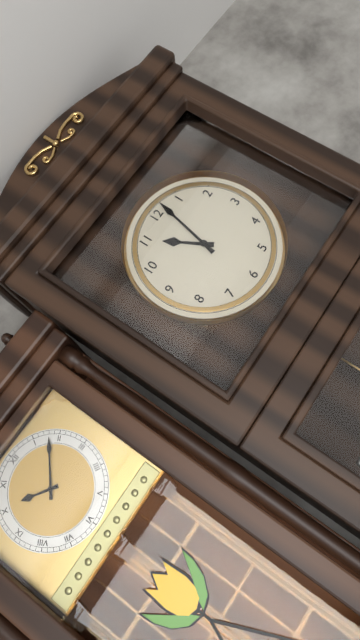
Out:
11.02
